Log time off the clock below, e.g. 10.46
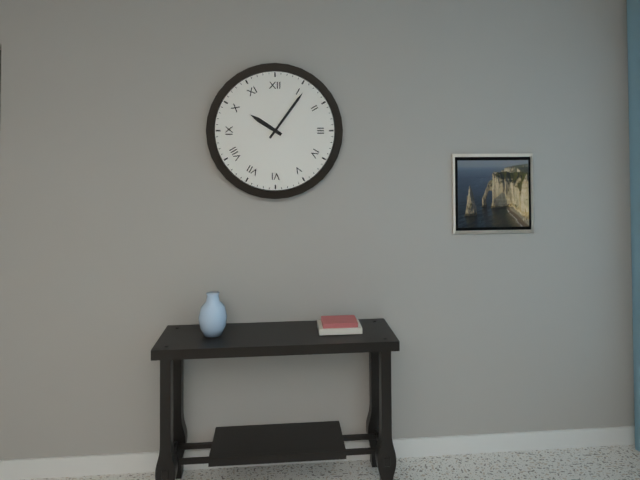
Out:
10.06
